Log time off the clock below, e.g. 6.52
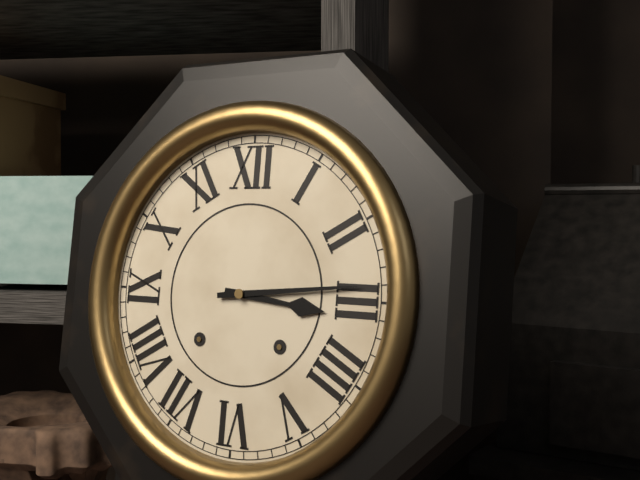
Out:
3.14
